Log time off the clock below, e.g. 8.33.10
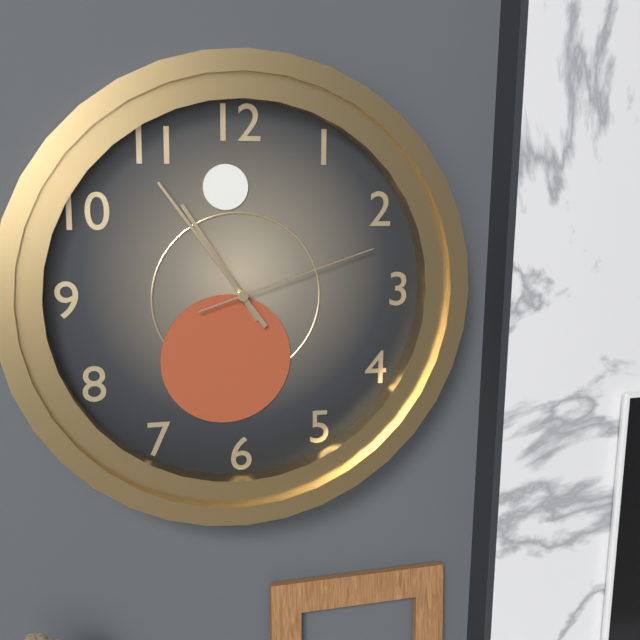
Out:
10.54.12
